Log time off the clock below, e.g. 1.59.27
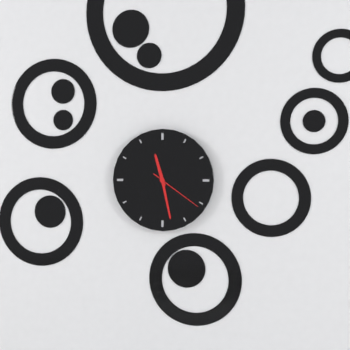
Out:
11.28.21
